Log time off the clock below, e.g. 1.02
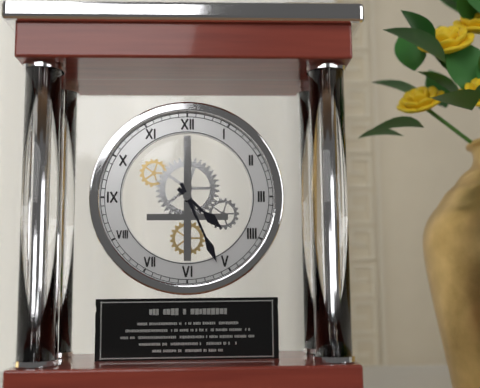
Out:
4.26
